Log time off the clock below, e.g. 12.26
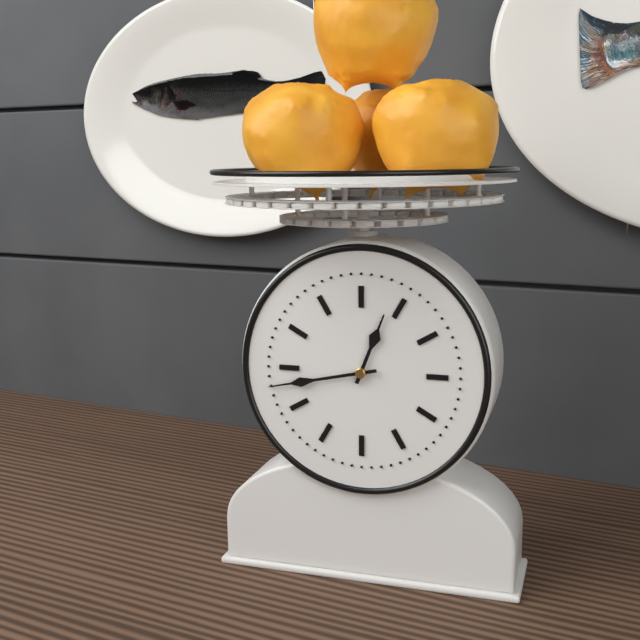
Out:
12.43
